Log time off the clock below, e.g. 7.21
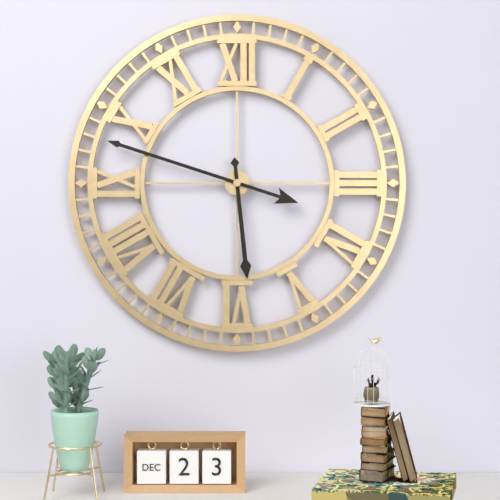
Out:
5.48
